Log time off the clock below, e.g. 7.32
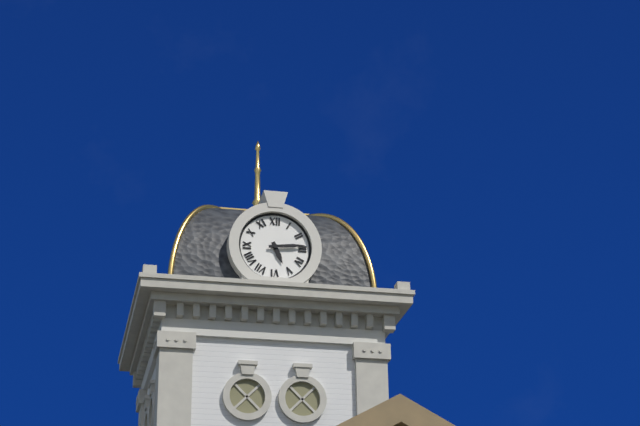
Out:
5.14
